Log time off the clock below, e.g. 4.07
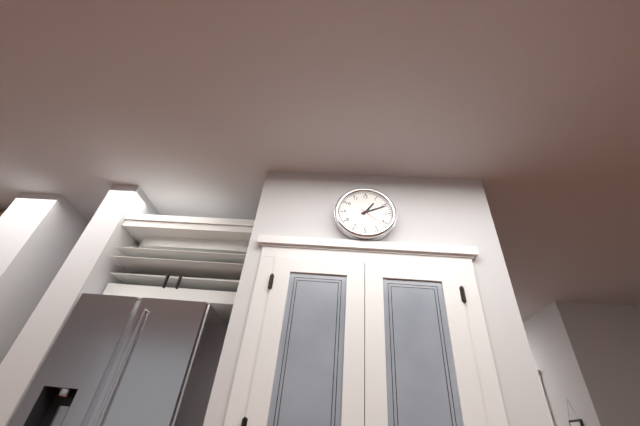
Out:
1.11
